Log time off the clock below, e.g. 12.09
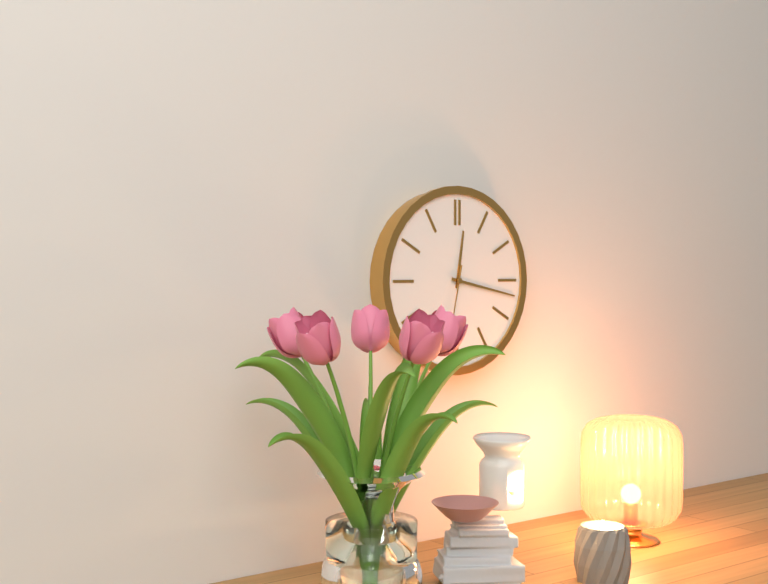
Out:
12.17
